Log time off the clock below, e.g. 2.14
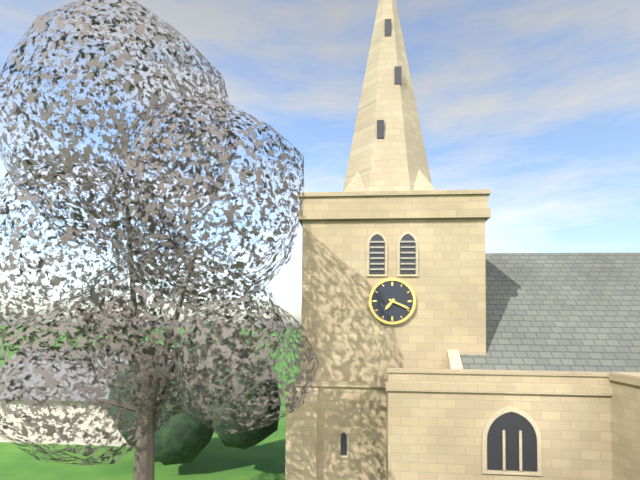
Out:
7.19
